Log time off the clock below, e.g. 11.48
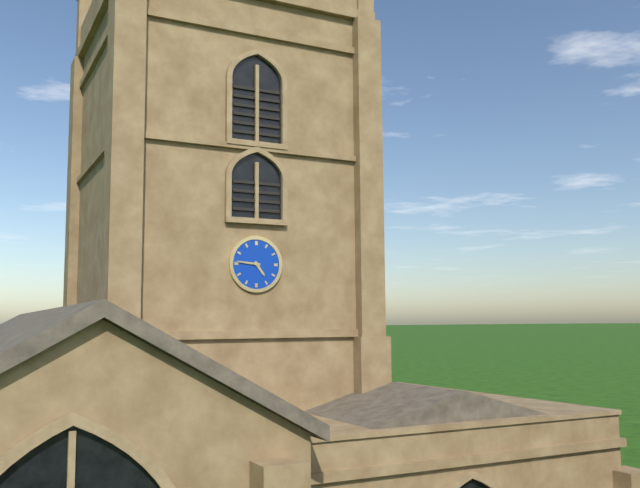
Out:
4.46
